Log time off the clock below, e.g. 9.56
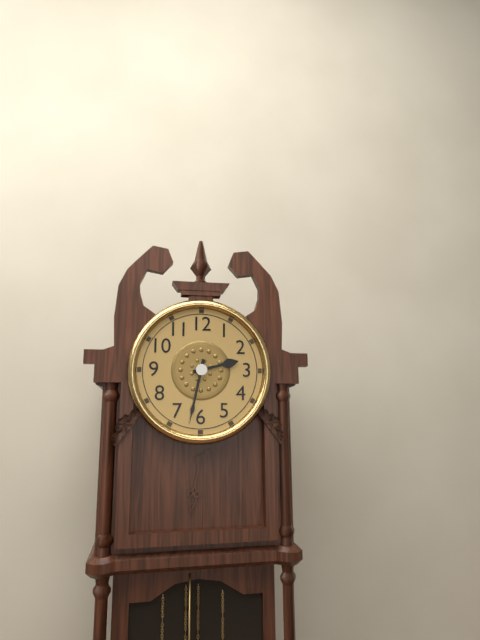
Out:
2.32
